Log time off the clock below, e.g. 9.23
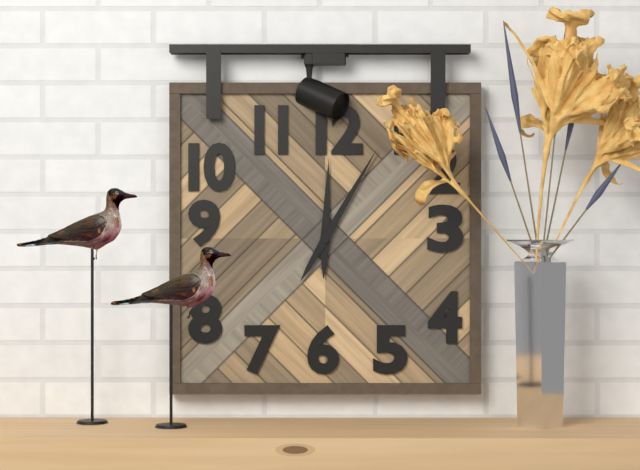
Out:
12.05
